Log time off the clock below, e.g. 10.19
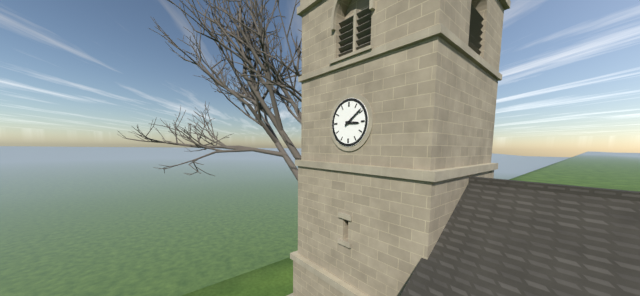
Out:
3.09
